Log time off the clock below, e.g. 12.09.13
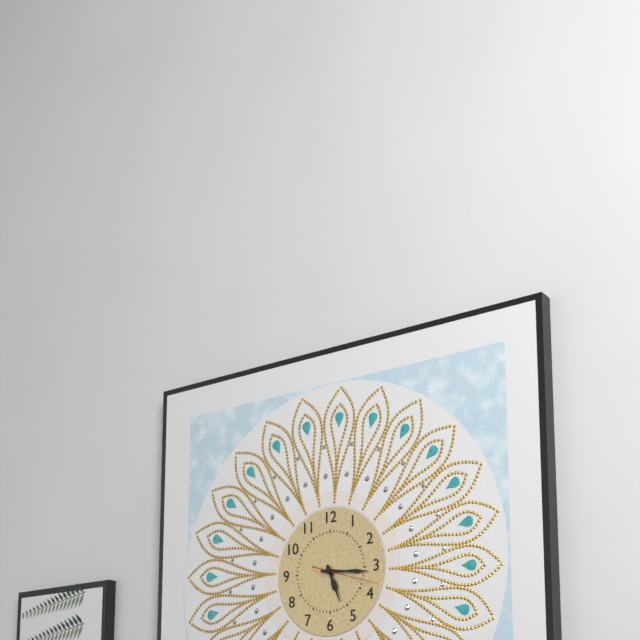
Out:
5.16.18
